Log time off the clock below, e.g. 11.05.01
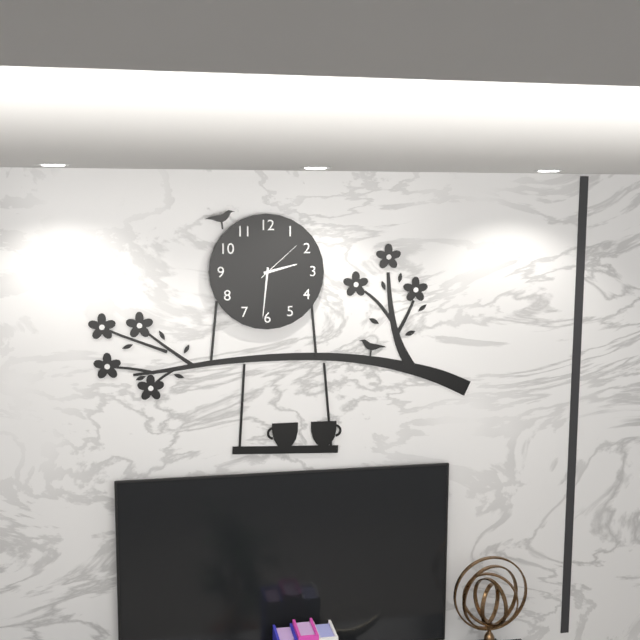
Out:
2.31.08
